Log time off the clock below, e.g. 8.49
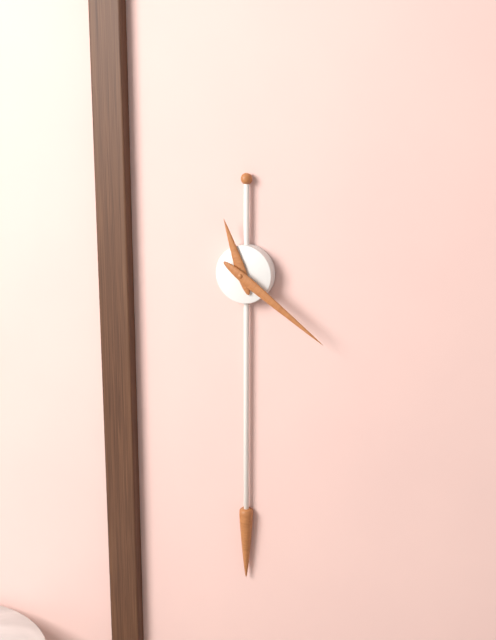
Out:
11.21
